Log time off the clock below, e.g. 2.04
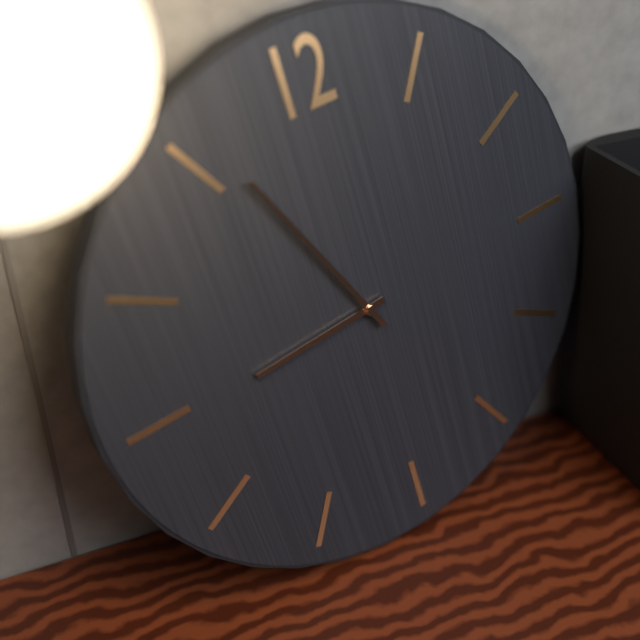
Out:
8.56
